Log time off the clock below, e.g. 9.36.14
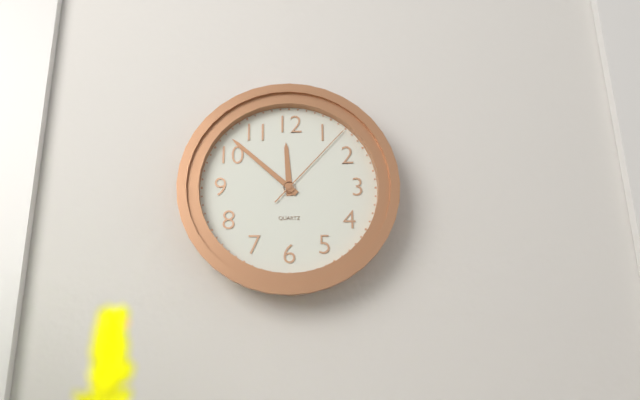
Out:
11.52.07
